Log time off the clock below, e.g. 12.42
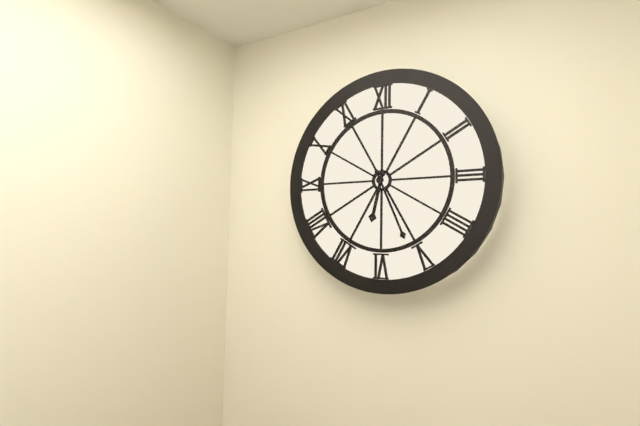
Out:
6.26
